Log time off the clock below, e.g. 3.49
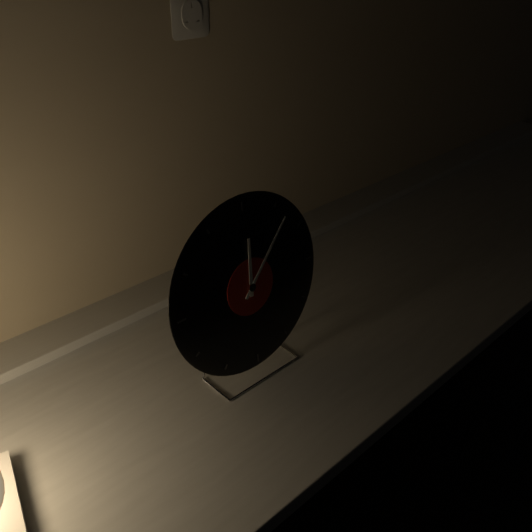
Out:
12.07
